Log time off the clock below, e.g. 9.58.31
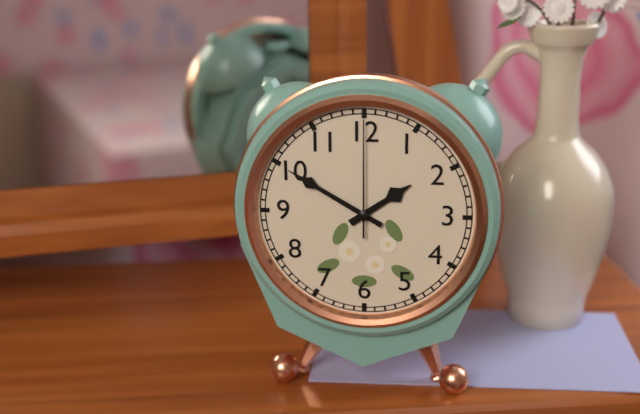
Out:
1.50.00
